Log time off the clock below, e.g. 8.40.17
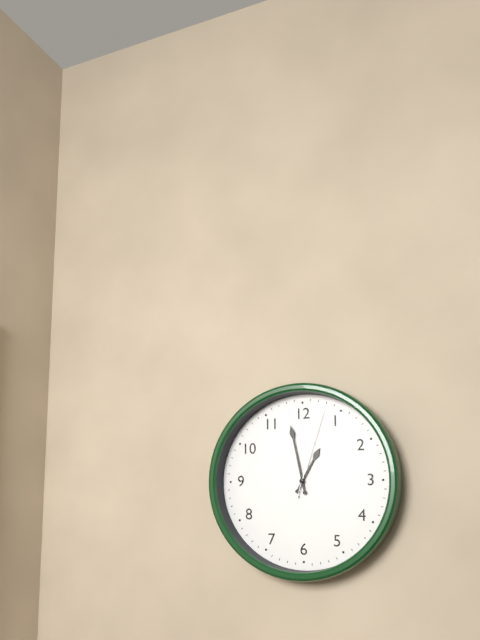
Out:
12.58.03
